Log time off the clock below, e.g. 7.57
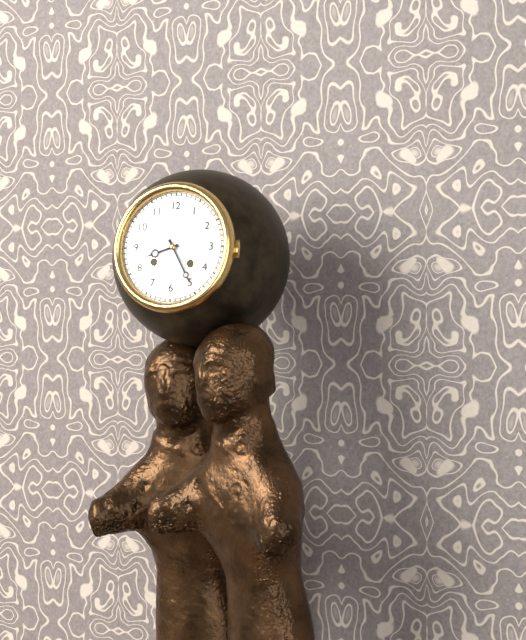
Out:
8.25
